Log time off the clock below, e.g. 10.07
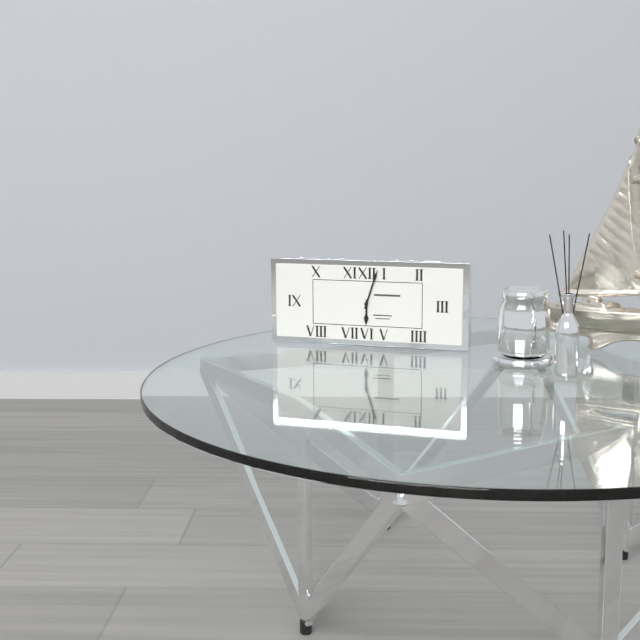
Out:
6.03
